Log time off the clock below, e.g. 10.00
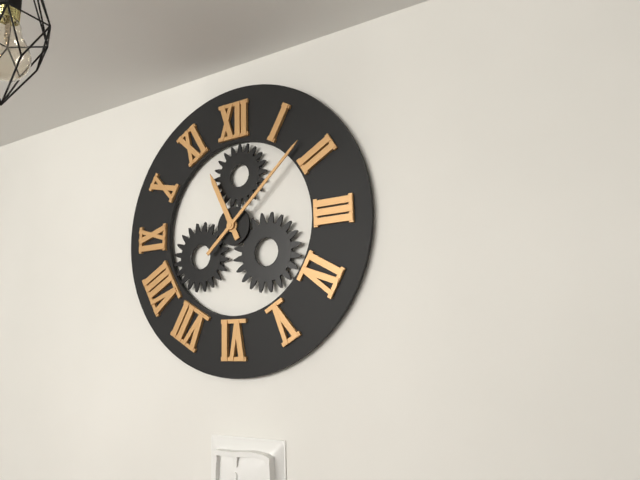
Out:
11.08
